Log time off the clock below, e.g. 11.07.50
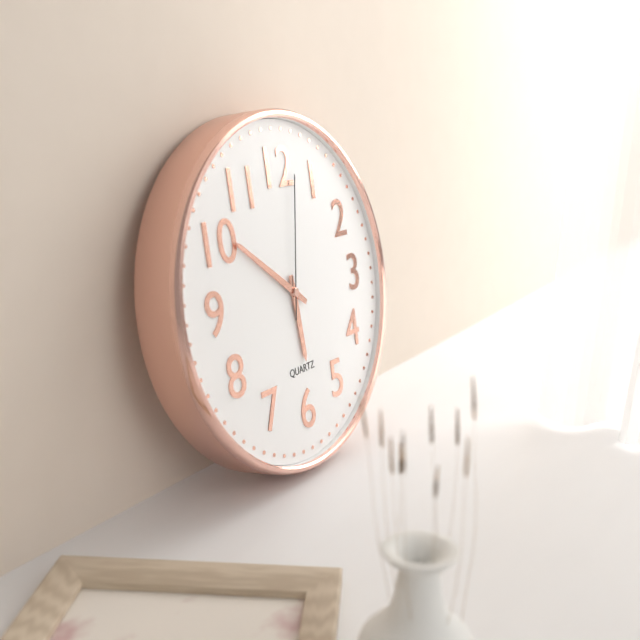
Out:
5.51.02
